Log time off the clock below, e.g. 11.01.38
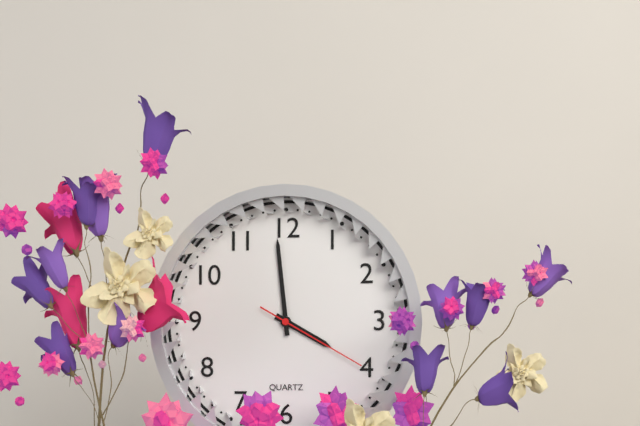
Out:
3.59.20
